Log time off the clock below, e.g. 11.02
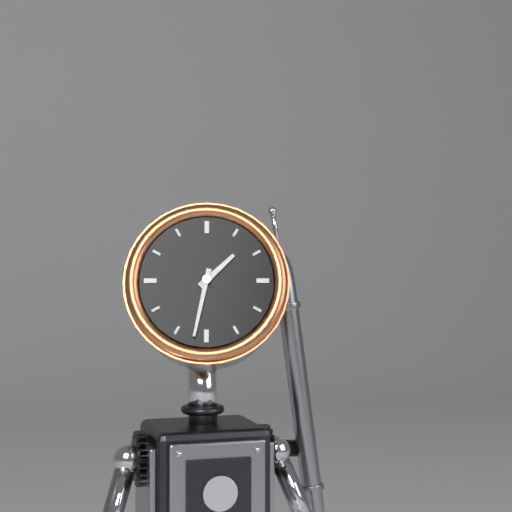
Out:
1.32
